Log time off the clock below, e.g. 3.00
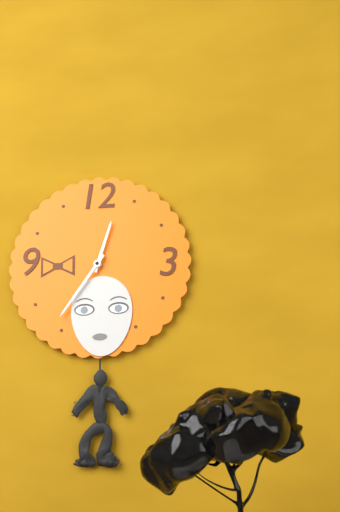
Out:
12.36
